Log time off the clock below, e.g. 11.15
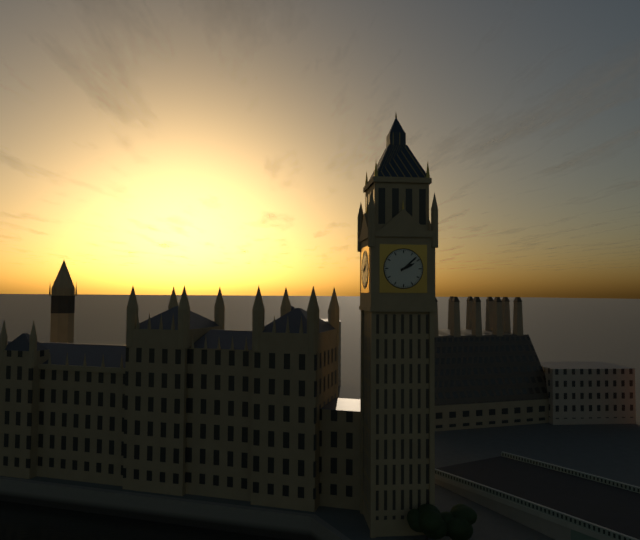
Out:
2.08
